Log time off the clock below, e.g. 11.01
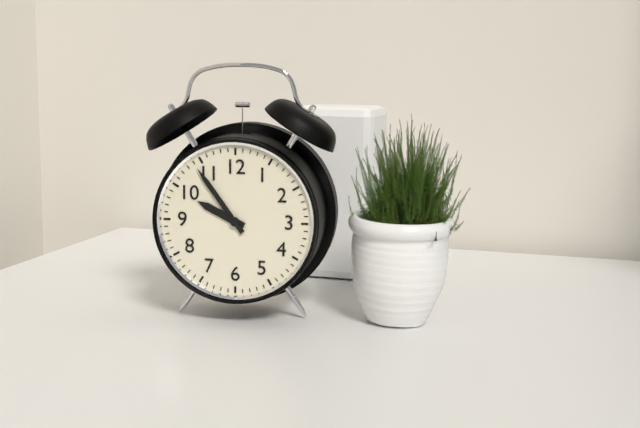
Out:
9.54
